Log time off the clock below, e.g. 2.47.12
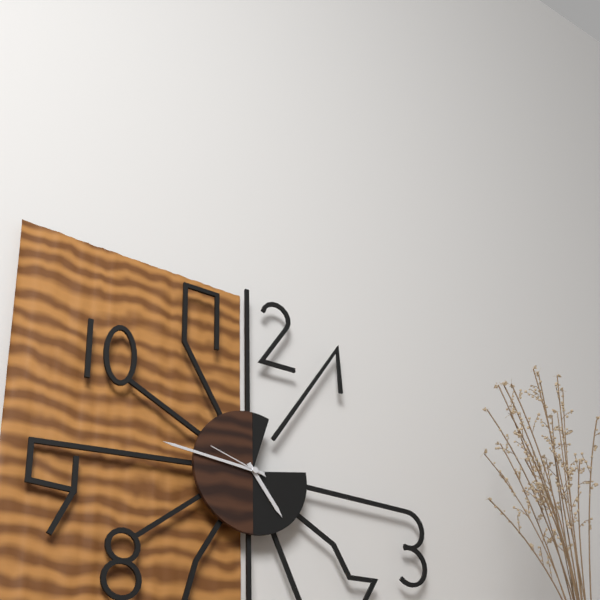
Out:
4.46.48
